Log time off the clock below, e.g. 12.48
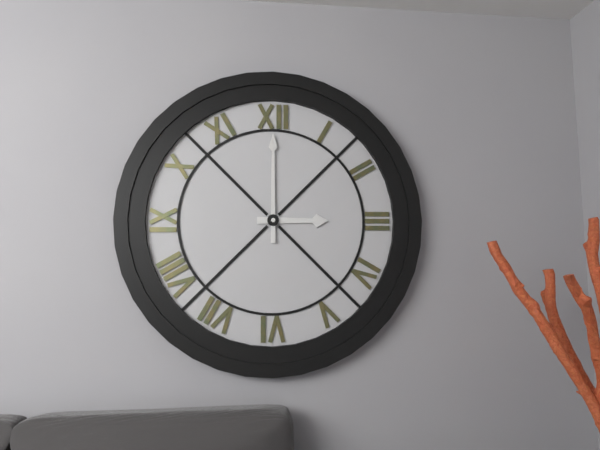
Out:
3.00
